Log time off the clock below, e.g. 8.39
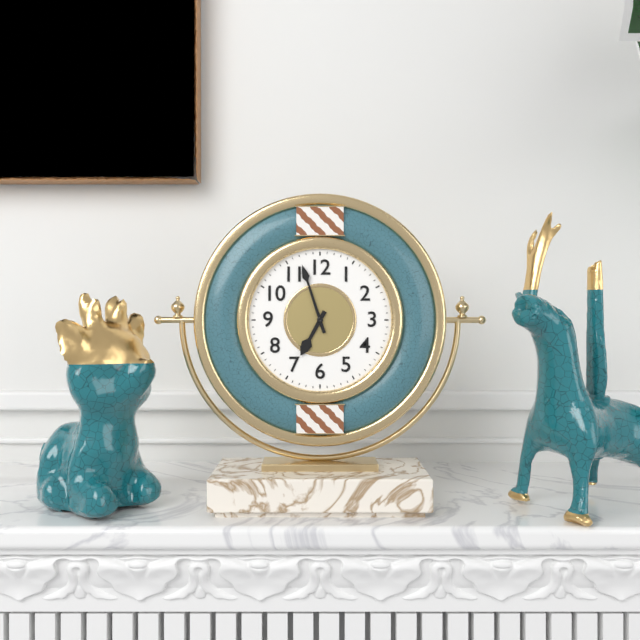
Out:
6.57
